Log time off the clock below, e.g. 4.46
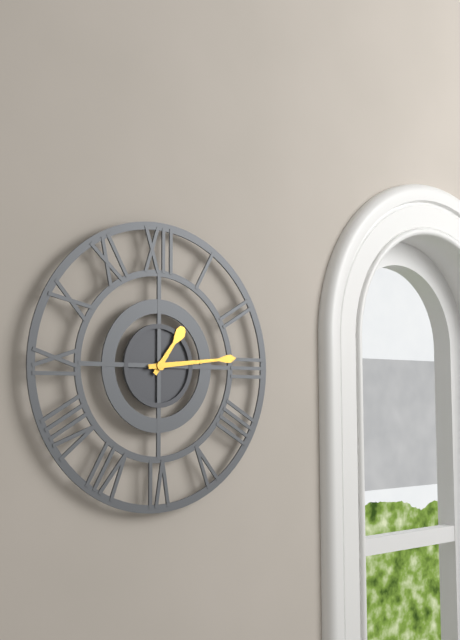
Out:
1.14
